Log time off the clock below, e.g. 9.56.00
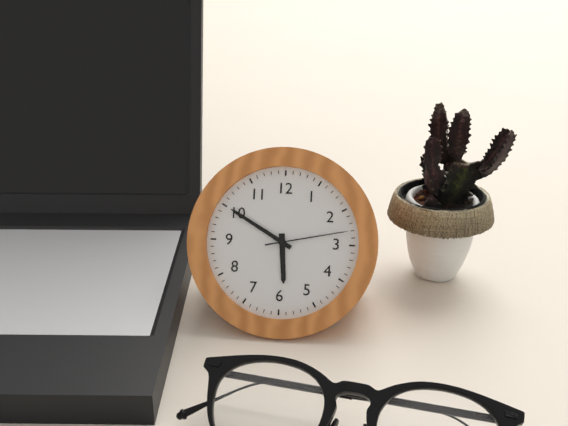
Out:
5.50.13
